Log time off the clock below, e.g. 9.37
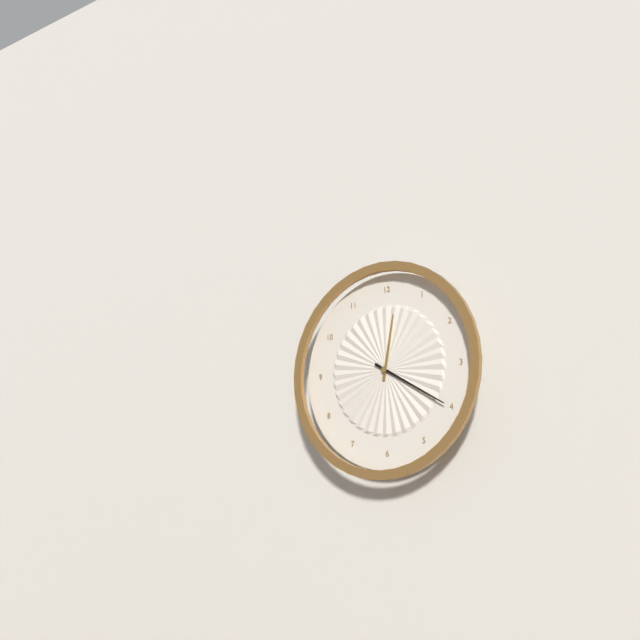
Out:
12.20
